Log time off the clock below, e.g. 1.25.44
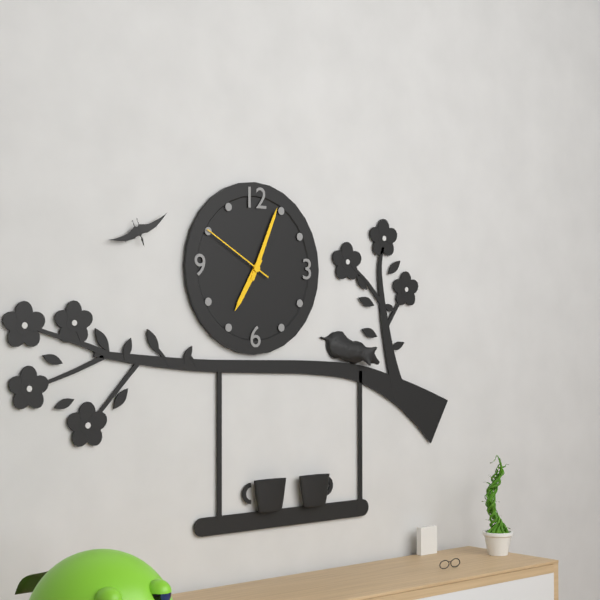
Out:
7.04.50
